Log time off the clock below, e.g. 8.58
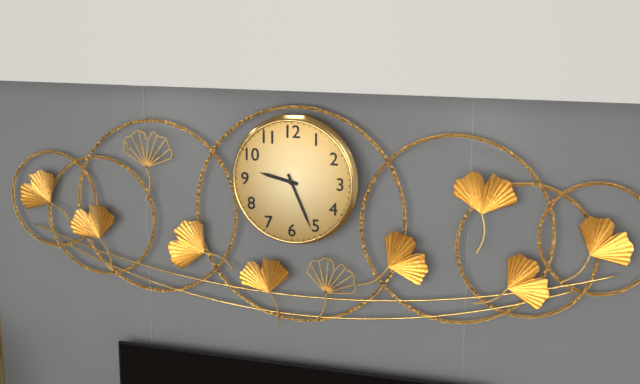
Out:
9.26
